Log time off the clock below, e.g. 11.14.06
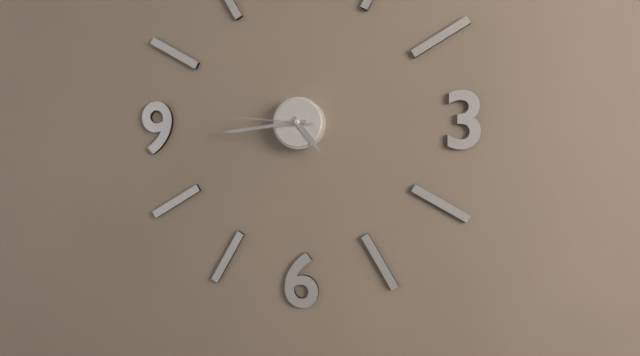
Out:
4.44.46
